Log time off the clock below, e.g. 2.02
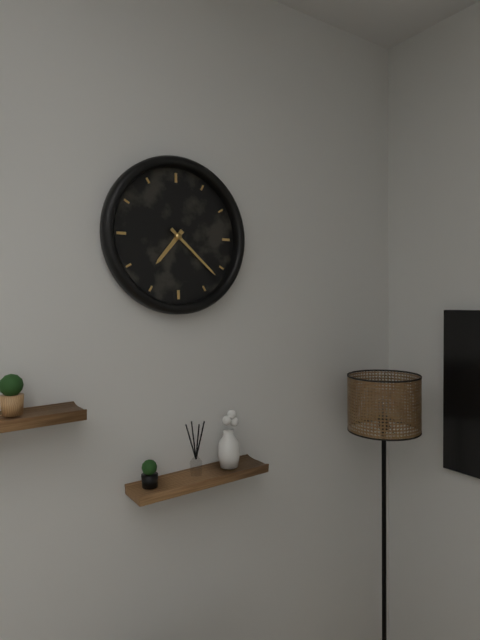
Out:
7.22
